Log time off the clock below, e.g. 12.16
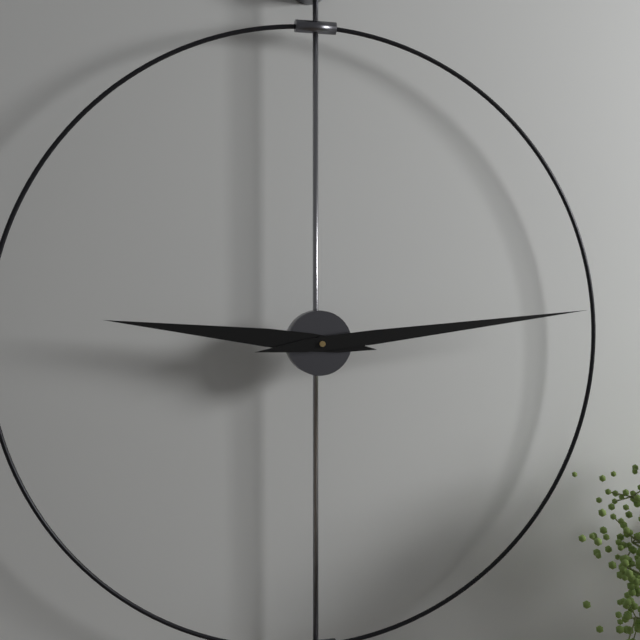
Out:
9.14
